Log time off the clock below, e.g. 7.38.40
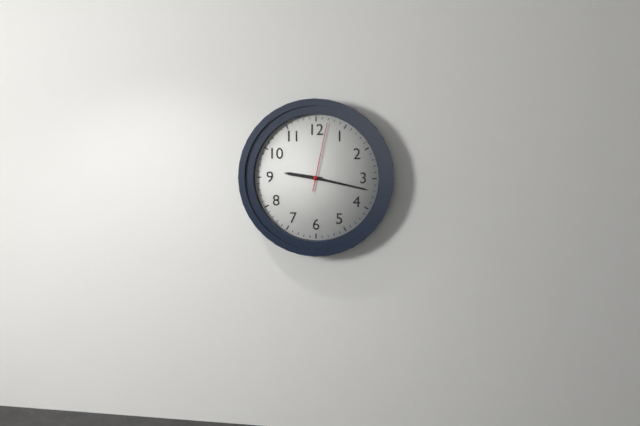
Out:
9.17.02
